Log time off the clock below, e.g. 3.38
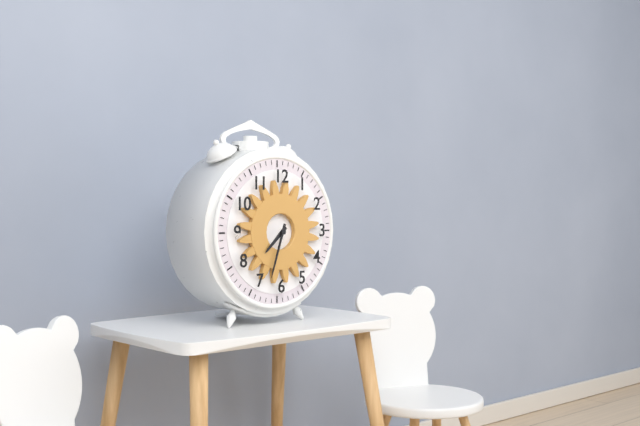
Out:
7.33
